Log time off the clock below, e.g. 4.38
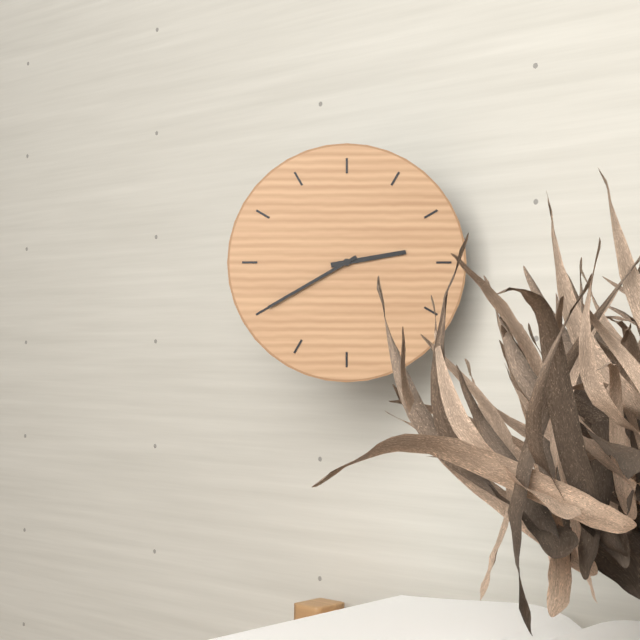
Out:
2.40
